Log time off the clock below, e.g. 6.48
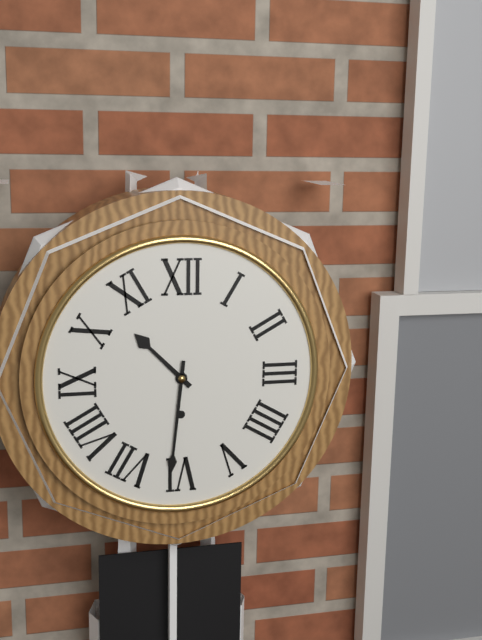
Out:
10.31
